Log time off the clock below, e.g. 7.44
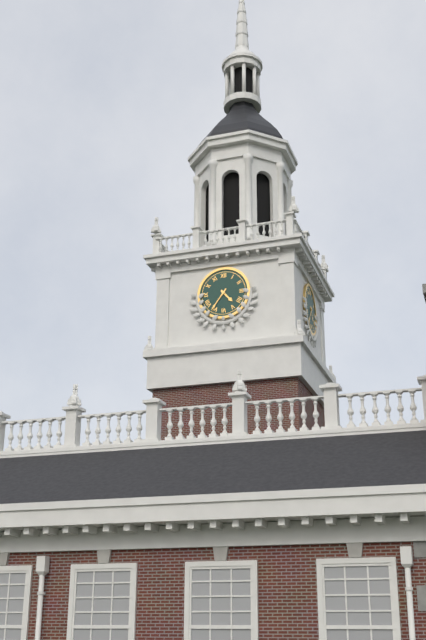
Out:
4.36
